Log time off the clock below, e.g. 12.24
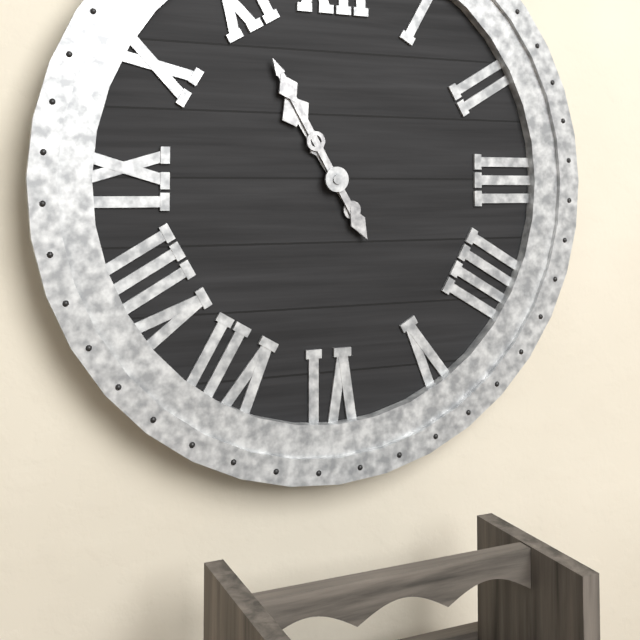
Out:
10.55
